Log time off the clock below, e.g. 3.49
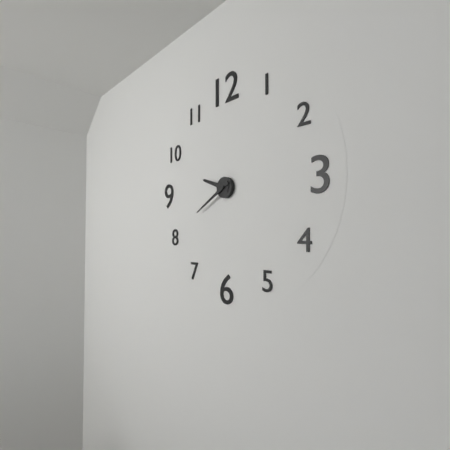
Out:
9.40
